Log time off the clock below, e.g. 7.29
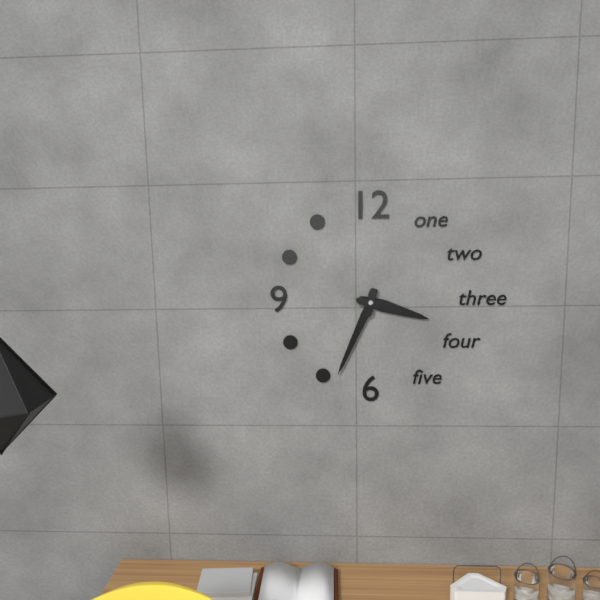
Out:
3.34
